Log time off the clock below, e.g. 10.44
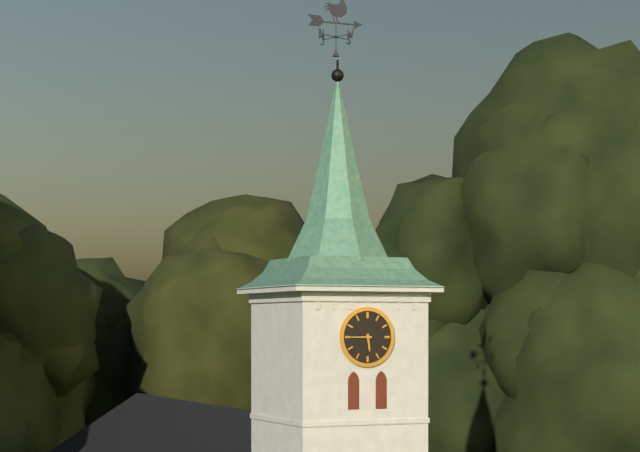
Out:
5.45
